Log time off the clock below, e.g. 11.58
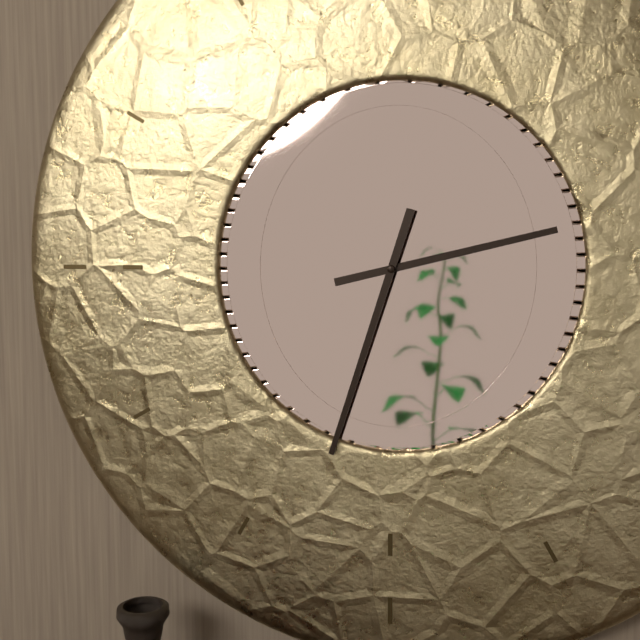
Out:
2.33
